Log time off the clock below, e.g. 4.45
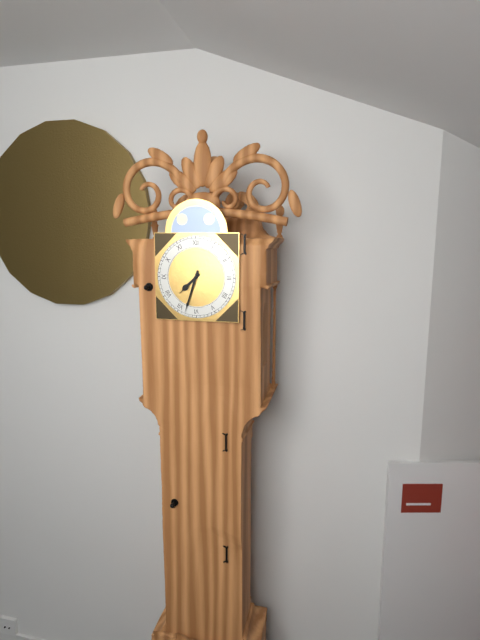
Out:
7.33
